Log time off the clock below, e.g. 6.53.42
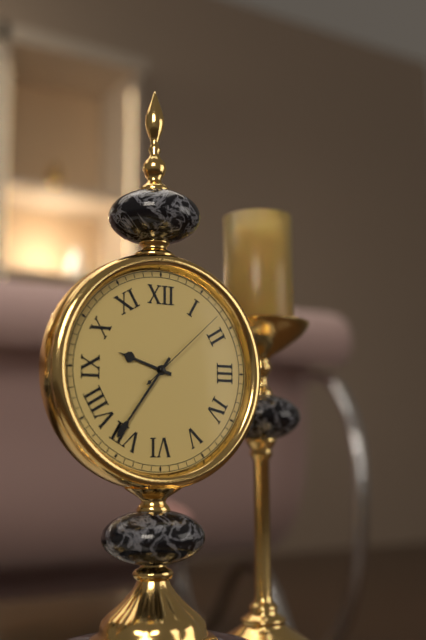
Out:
9.36.08
